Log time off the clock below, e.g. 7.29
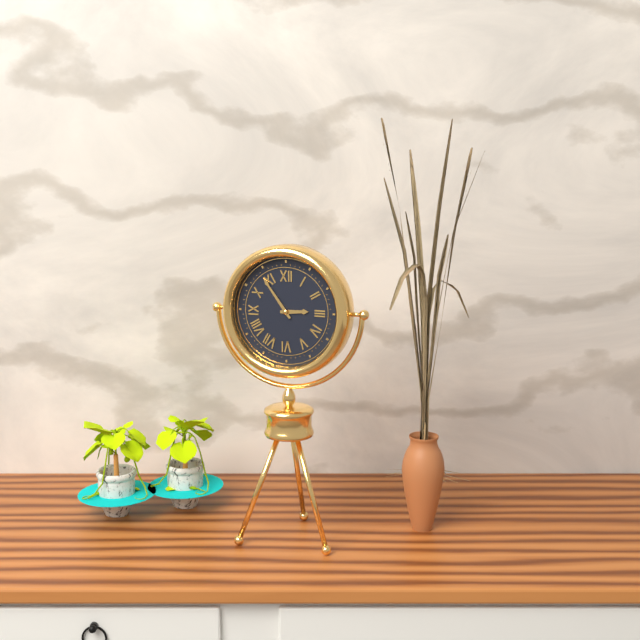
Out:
2.54
